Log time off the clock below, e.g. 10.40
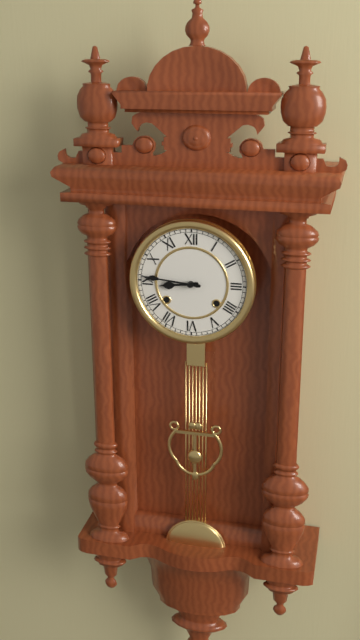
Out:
8.46
